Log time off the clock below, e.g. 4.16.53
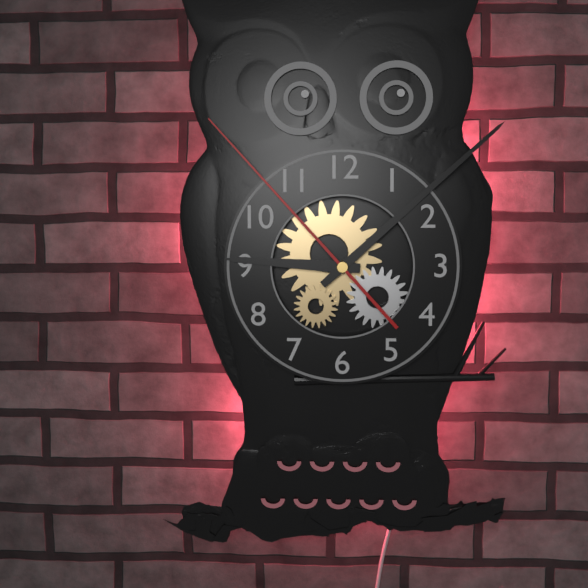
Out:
9.08.53
